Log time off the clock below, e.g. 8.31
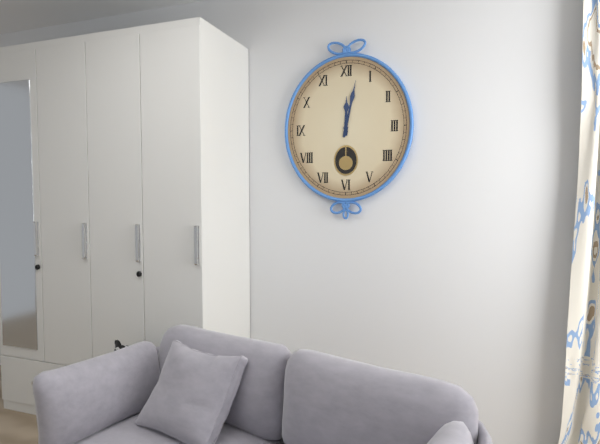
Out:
12.02
